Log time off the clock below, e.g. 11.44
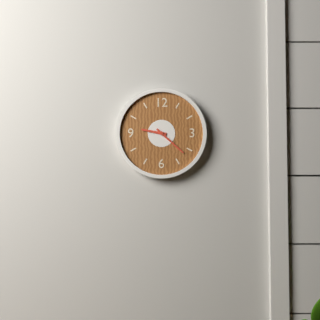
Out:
9.22
